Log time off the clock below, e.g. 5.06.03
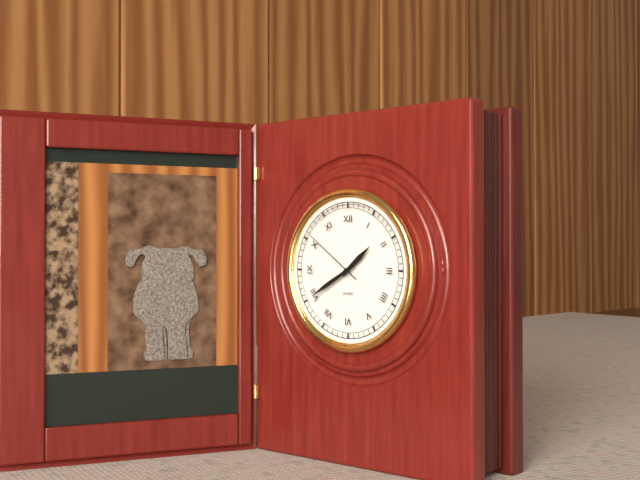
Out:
1.40.51
